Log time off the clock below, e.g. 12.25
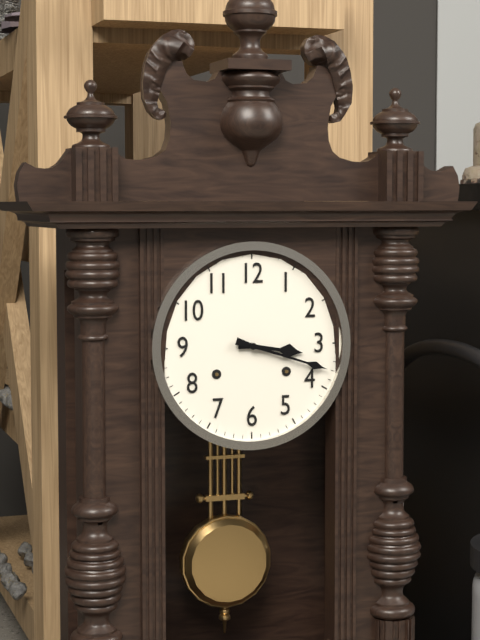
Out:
3.18
